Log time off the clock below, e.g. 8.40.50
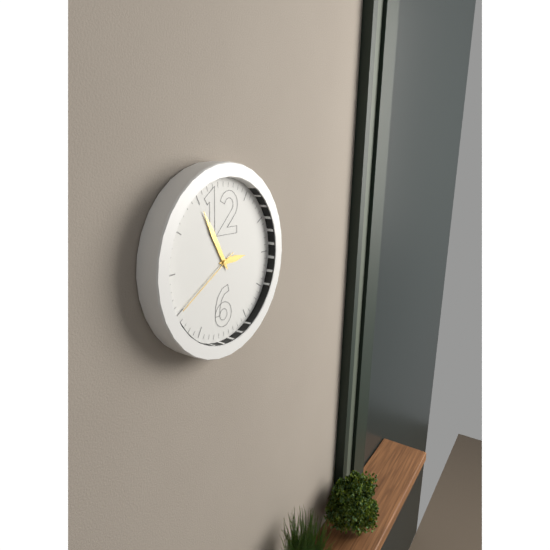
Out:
2.55.40
